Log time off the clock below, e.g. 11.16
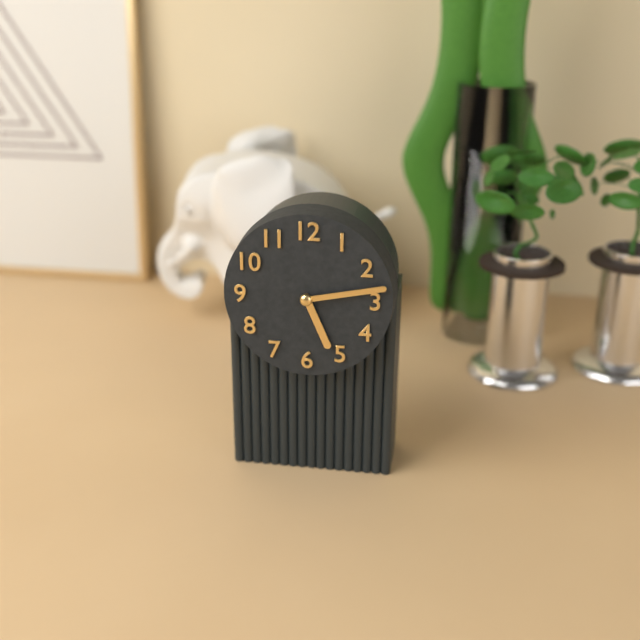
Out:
5.13
